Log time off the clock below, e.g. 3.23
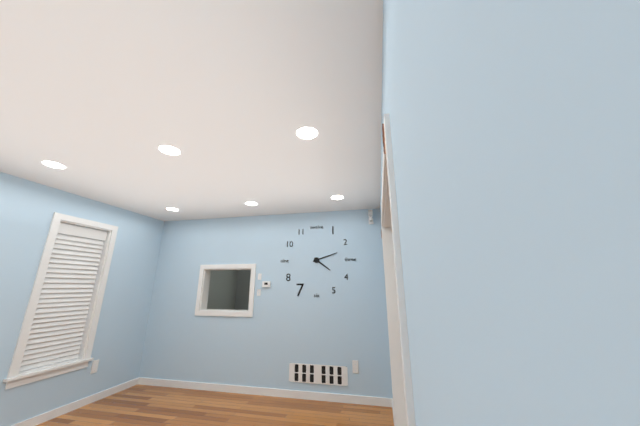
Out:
4.12
